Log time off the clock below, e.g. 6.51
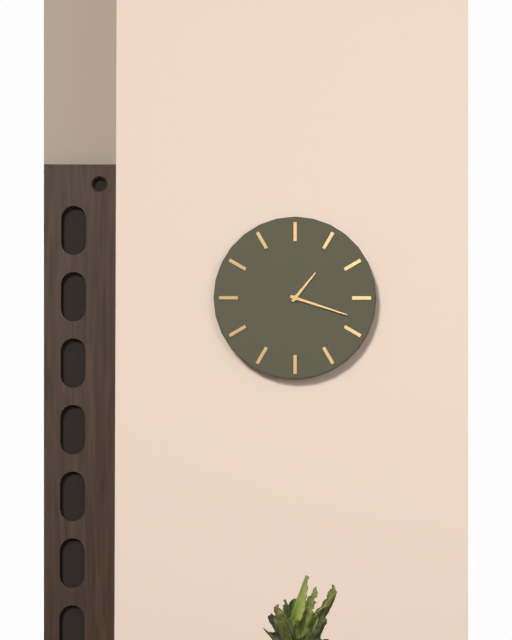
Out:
1.18
